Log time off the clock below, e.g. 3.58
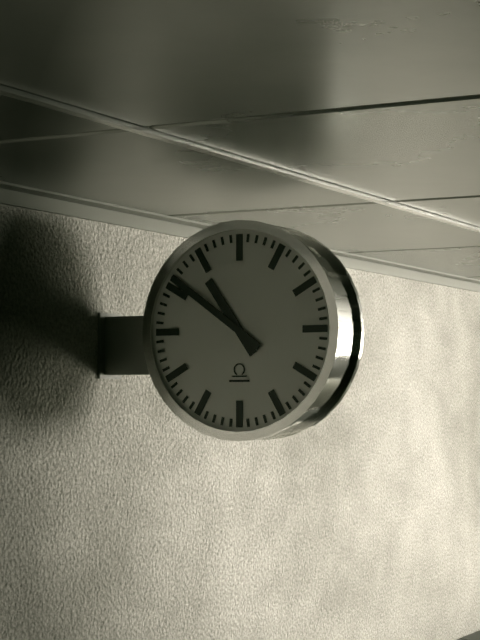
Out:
10.51
